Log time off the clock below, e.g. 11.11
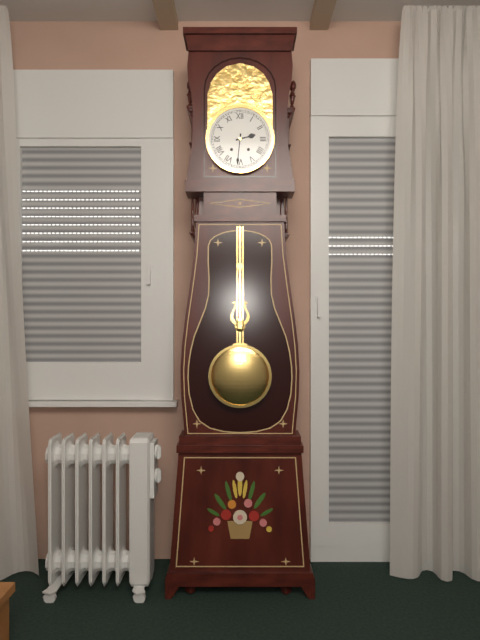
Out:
2.31
